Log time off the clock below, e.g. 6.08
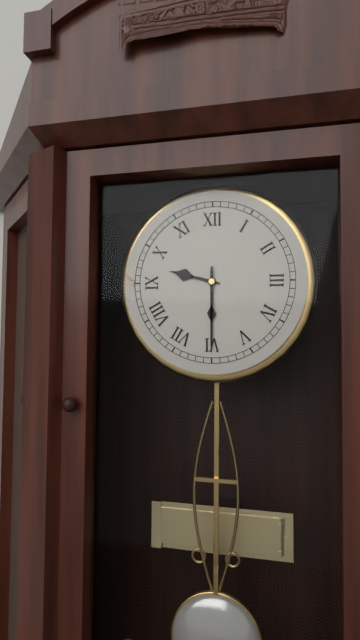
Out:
9.30
